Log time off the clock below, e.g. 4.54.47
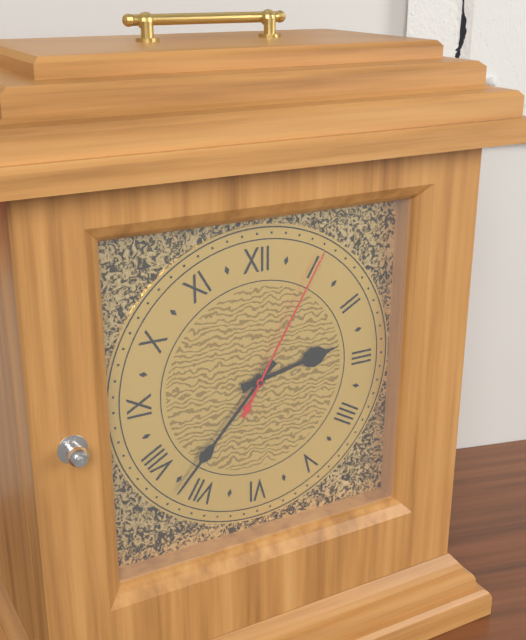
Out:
2.37.05
